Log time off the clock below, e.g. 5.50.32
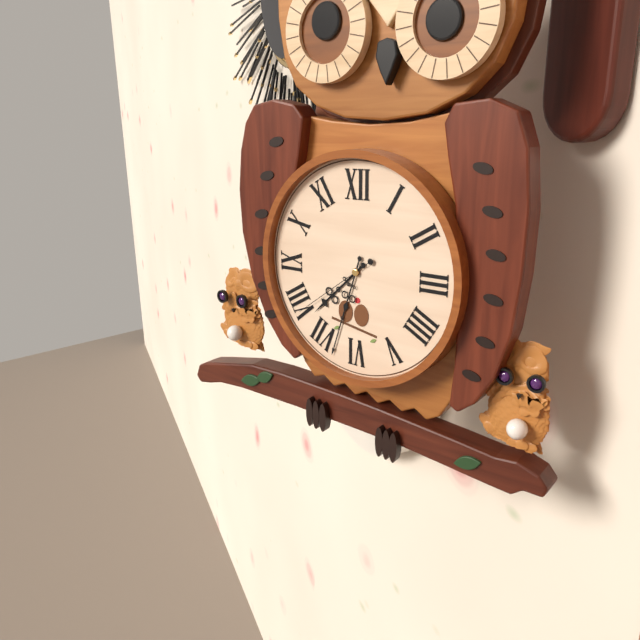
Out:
7.33.39
